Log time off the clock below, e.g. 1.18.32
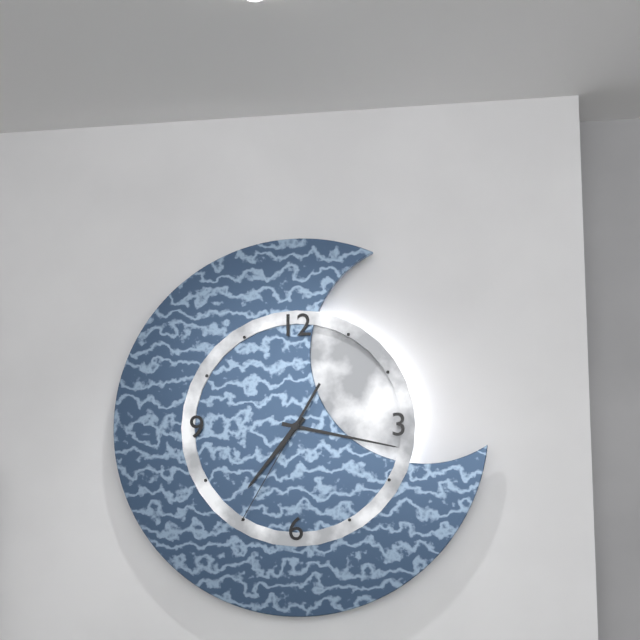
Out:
7.17.35
